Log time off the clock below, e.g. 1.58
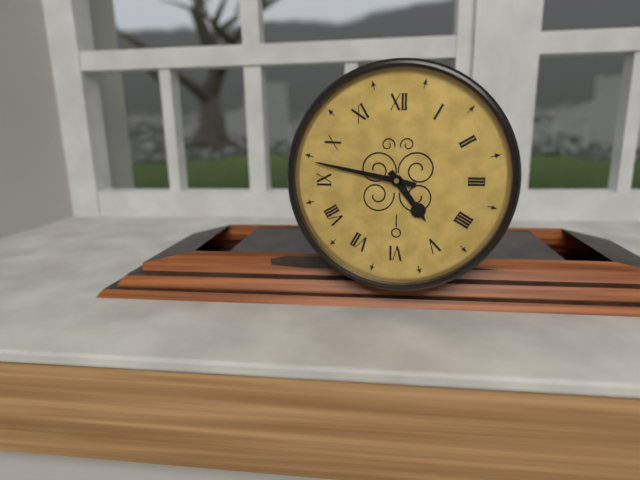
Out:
4.47
